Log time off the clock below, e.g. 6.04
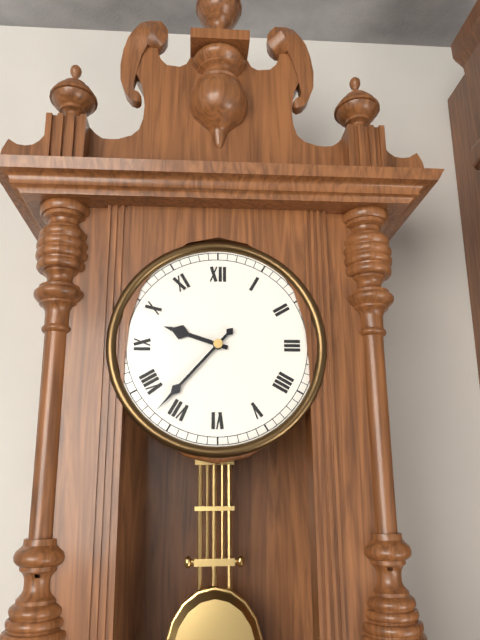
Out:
9.37
